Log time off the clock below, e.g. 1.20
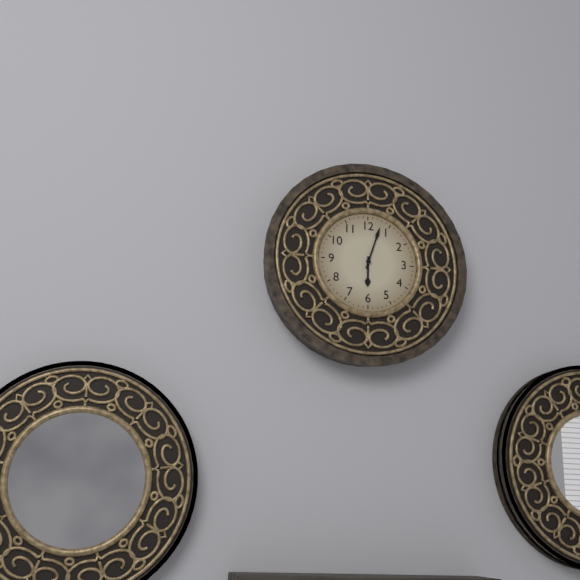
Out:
6.03
